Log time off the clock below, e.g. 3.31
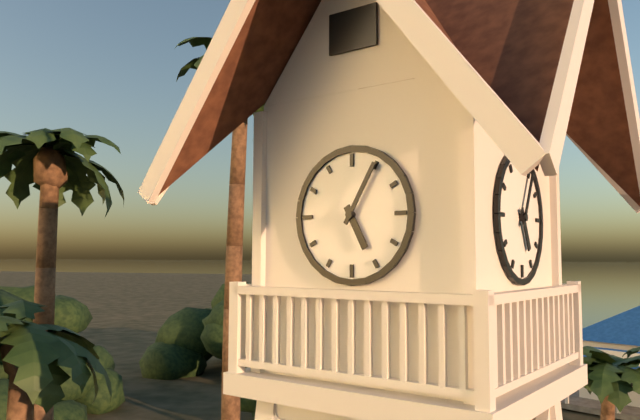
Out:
5.05
